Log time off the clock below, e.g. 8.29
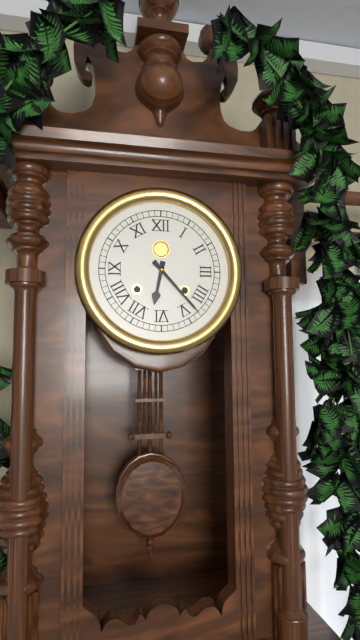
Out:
6.23
